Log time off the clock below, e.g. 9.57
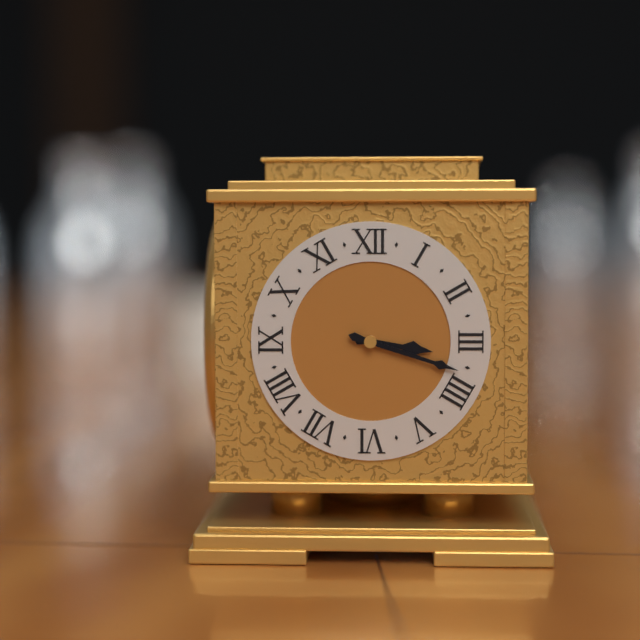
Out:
3.18
